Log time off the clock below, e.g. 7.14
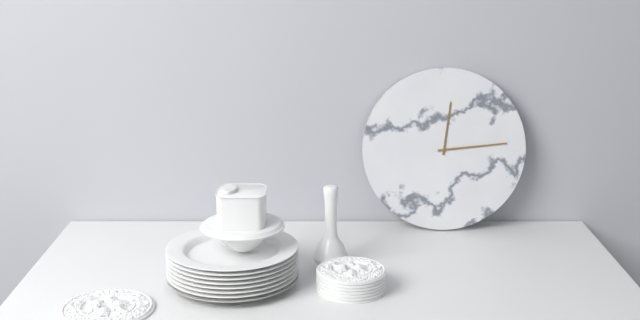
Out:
12.14
